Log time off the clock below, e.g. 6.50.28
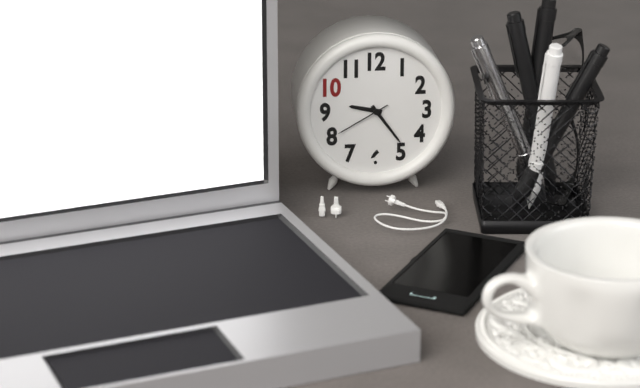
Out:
9.24.40
